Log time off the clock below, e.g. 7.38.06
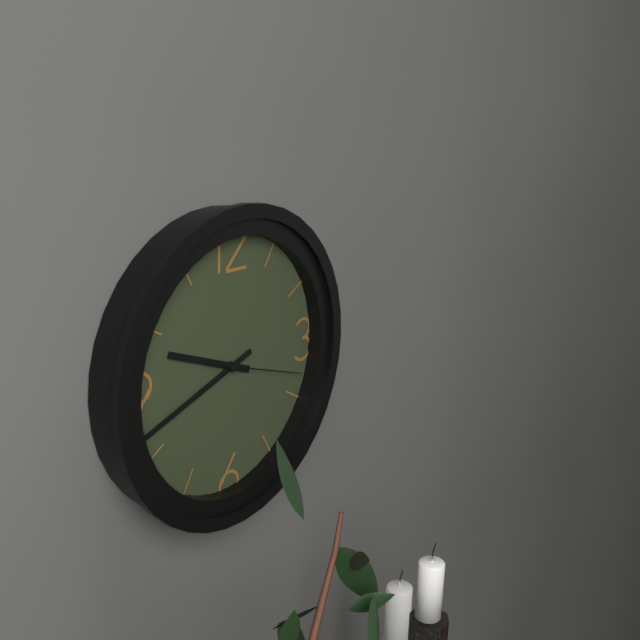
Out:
9.42.18
